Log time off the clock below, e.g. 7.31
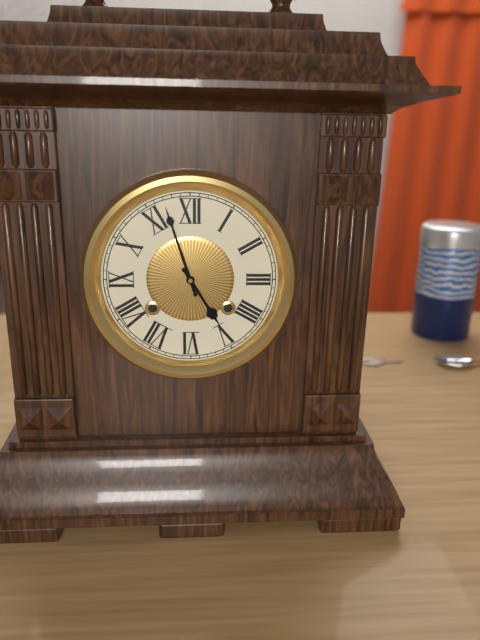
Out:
4.57
